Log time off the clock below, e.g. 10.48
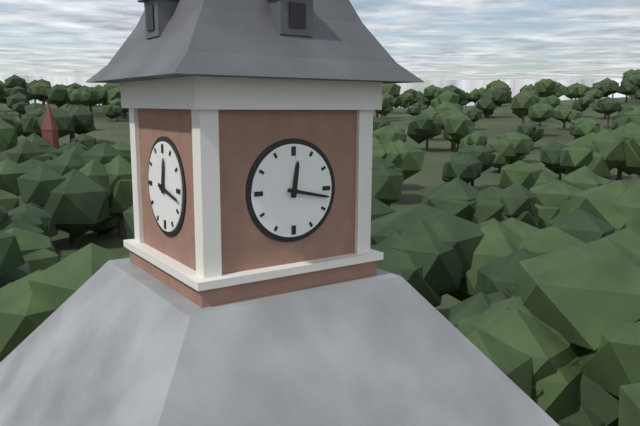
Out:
12.17
